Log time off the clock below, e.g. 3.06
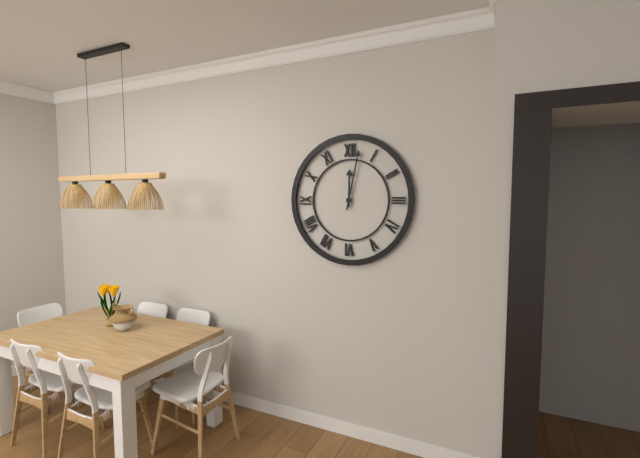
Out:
12.02
